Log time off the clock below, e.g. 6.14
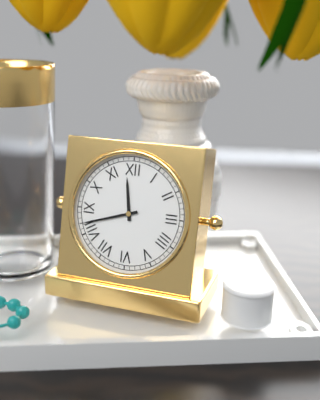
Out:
11.42
